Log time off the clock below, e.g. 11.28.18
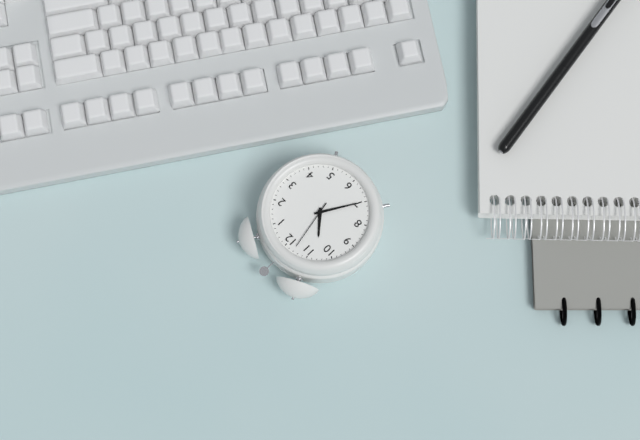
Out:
10.35.58
